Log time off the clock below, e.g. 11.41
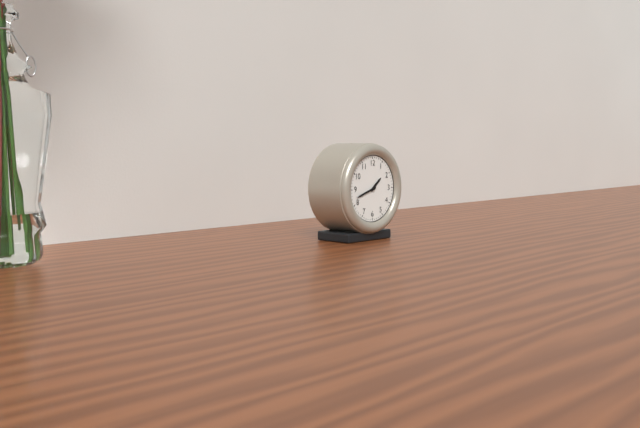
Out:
1.42
